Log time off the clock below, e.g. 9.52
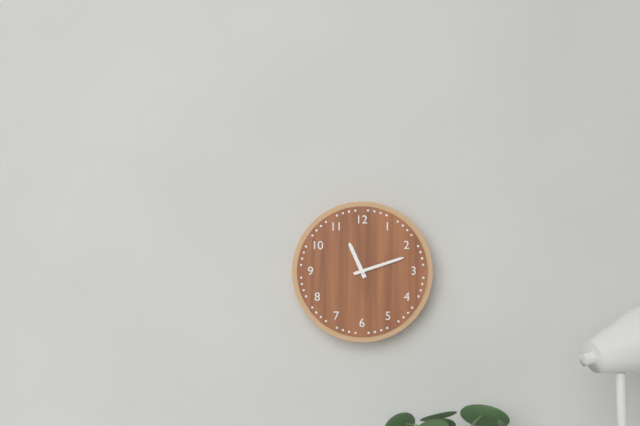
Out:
11.12
